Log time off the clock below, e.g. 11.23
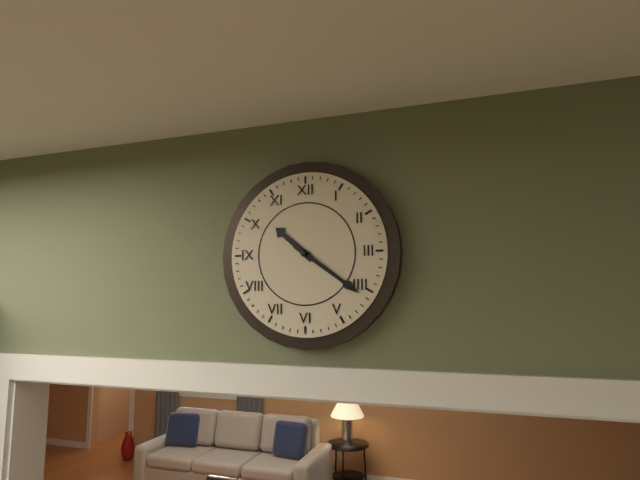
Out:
10.21
